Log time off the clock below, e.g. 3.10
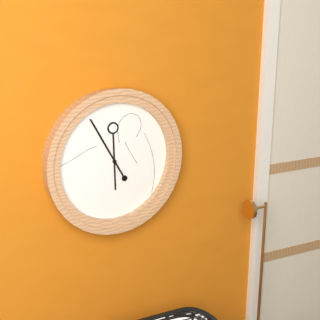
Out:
5.55
